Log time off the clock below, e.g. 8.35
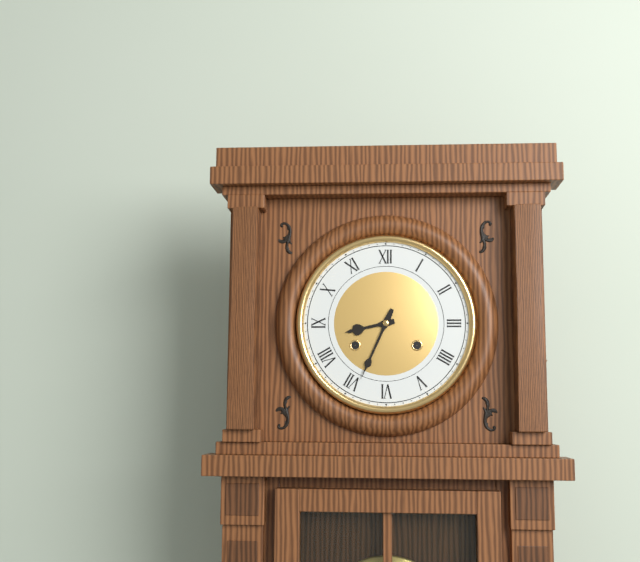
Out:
8.34
